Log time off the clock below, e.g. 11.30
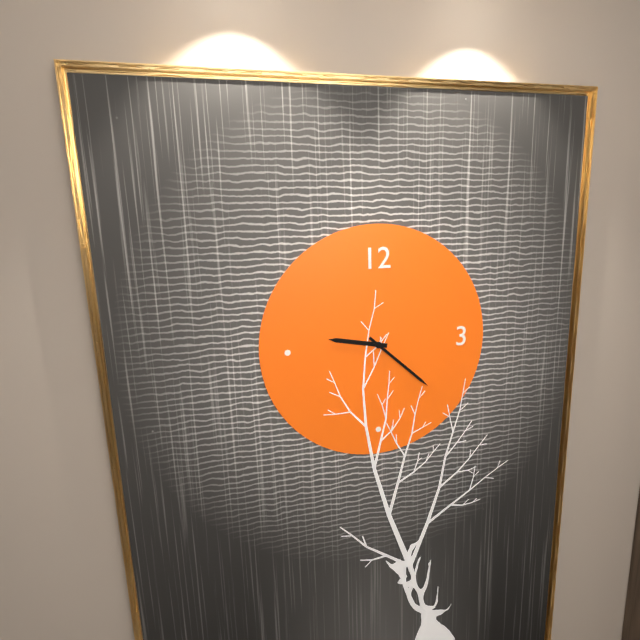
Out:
9.22
